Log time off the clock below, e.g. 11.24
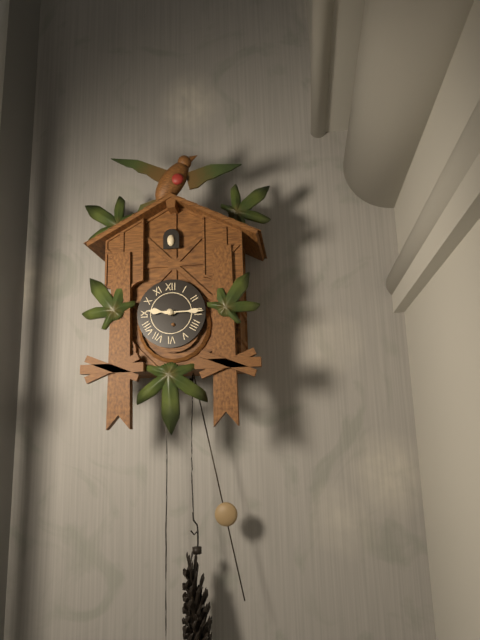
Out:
9.15
